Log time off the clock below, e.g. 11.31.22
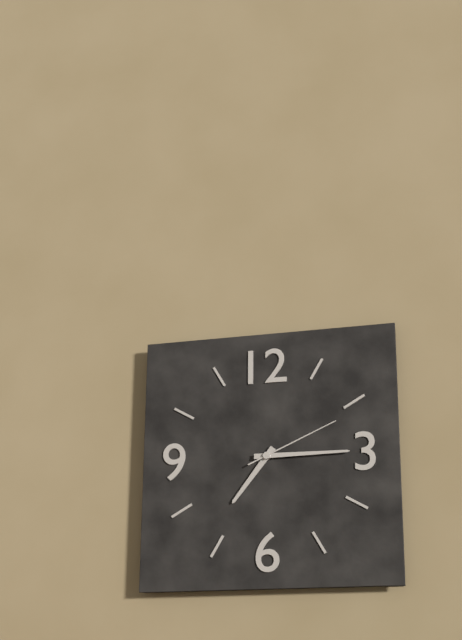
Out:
7.15.11
